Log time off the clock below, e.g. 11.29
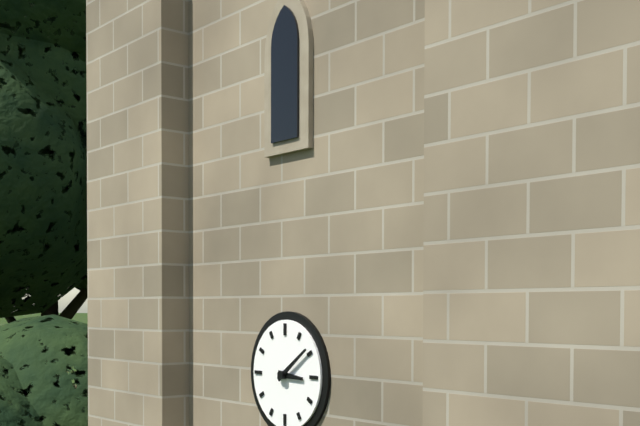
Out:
3.09
